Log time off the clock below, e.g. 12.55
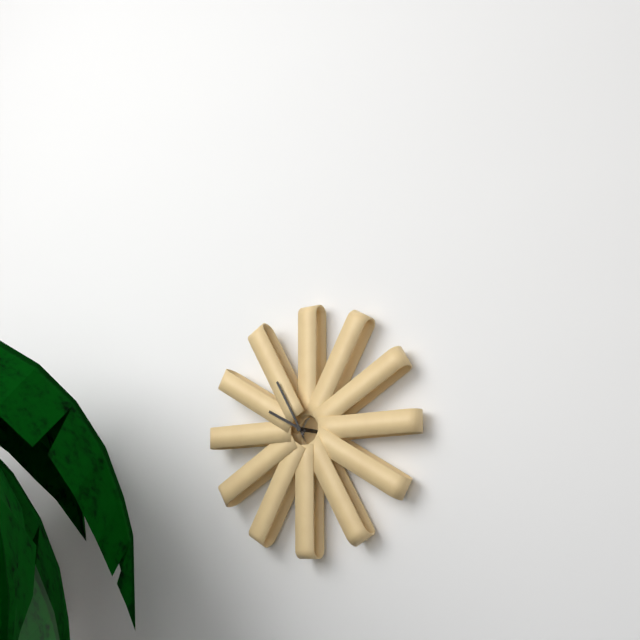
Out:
9.55
